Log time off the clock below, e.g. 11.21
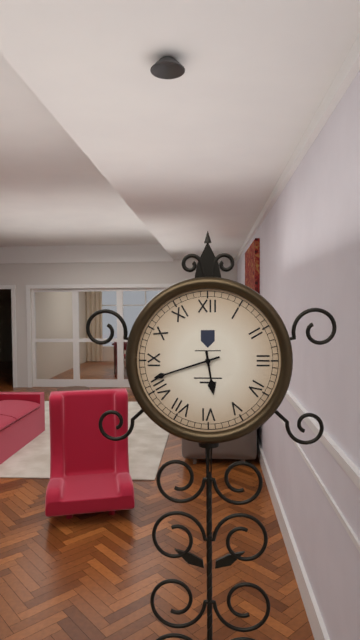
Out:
5.42
